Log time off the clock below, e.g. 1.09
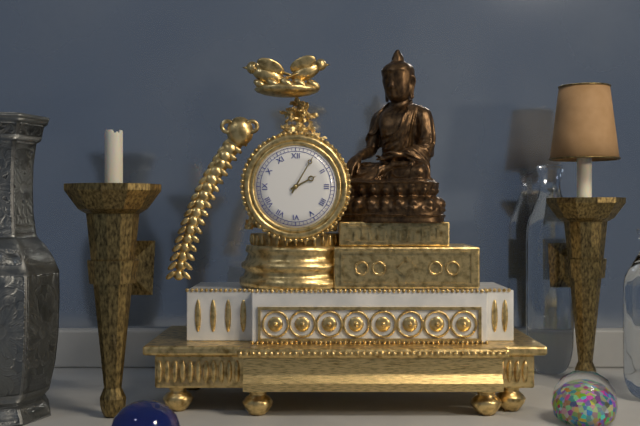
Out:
2.05
